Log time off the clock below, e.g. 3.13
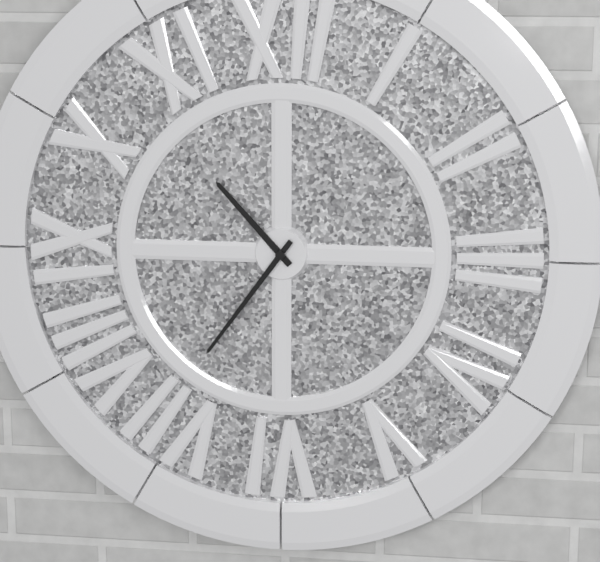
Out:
10.36
